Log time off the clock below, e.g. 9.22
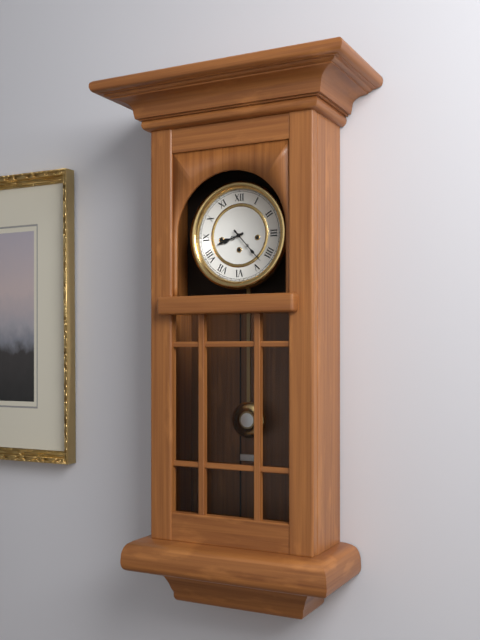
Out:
8.23
